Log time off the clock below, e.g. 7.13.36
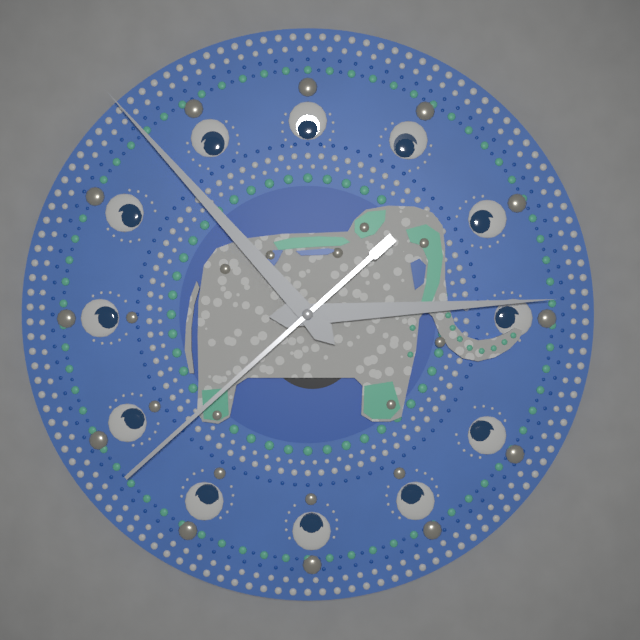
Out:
2.53.38
